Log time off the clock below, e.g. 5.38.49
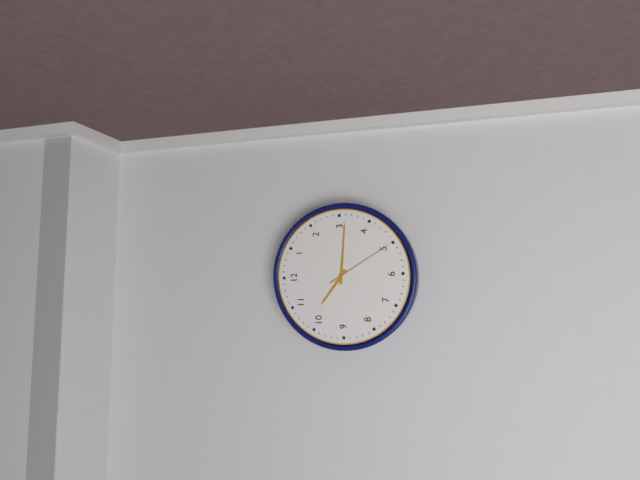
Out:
10.16.25
